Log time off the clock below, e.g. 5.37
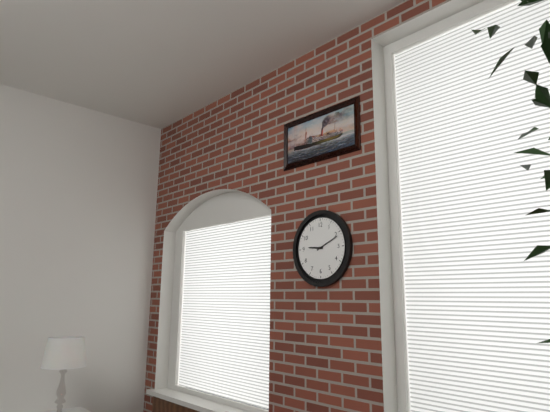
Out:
9.11
